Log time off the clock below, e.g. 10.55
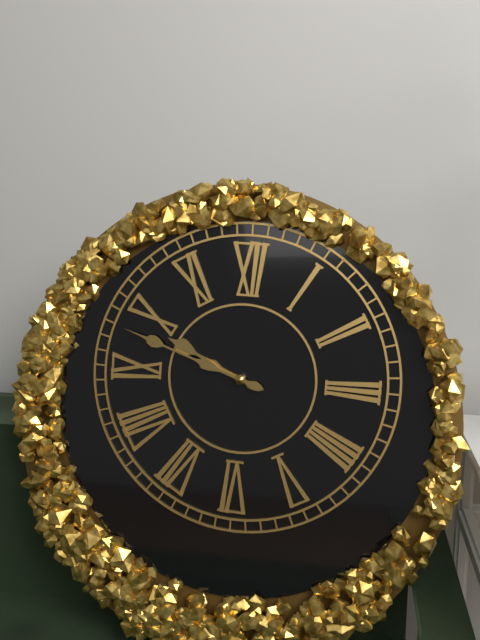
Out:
9.48
